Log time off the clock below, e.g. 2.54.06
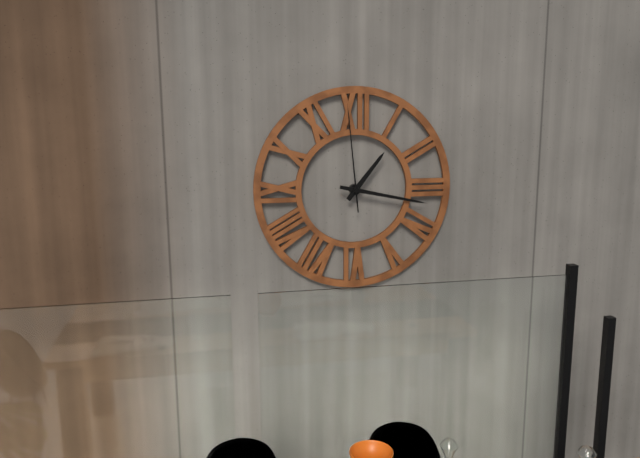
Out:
1.17.59
